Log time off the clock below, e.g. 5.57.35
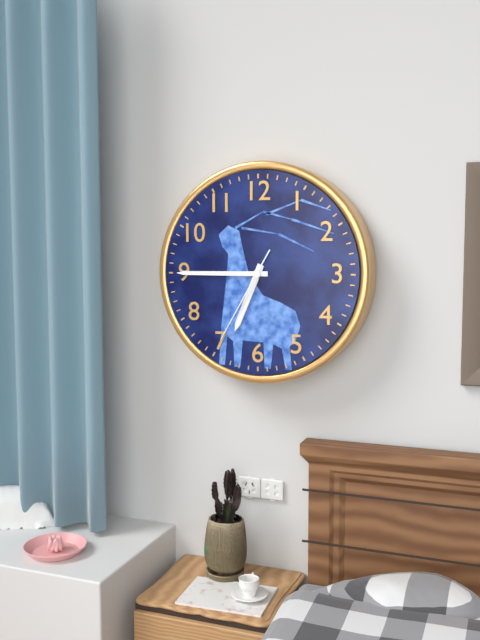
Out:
6.45.35
